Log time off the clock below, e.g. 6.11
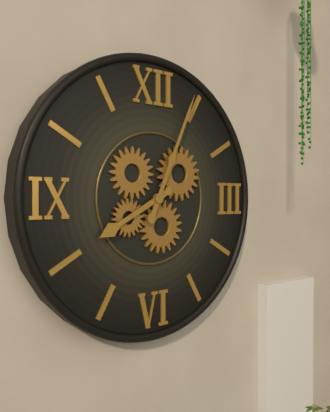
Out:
8.04
